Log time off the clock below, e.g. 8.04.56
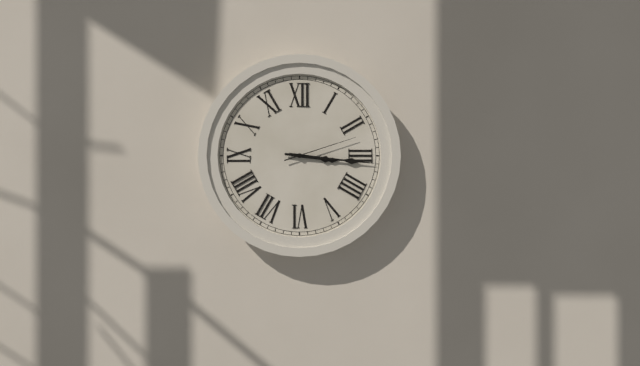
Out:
3.16.12
